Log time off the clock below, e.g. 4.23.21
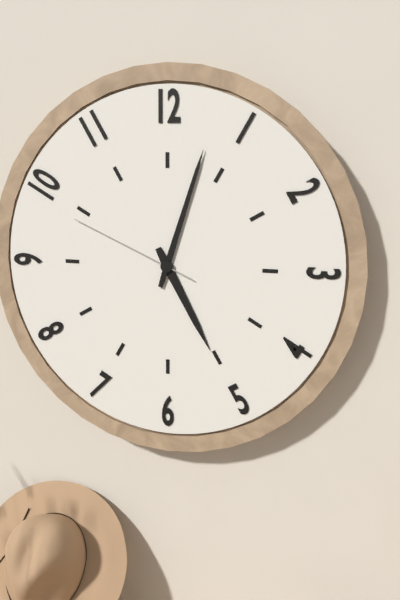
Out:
5.03.49
